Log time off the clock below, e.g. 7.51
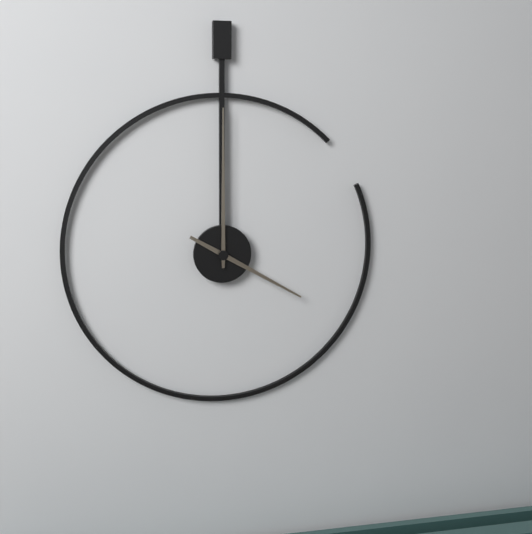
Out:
4.00
